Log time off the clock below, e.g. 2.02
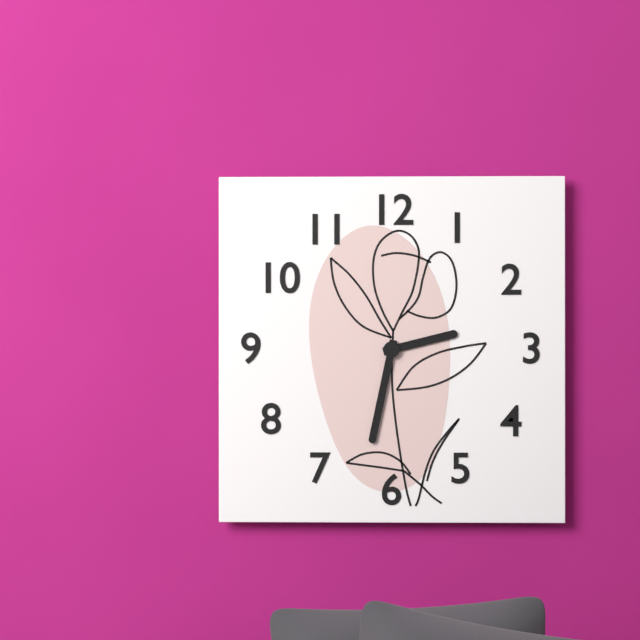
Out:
2.32
